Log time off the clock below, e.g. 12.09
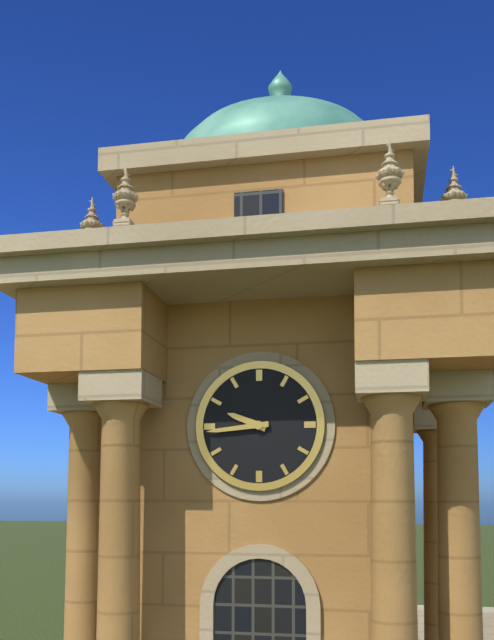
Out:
9.44
